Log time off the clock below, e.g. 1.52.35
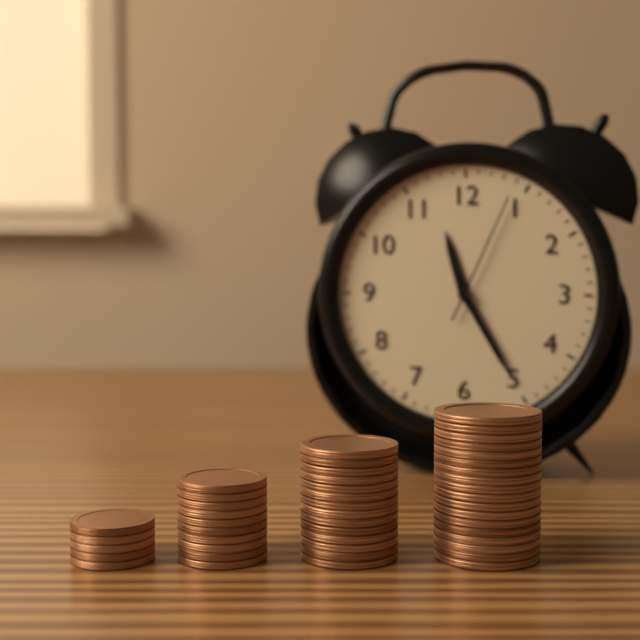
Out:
11.25.04
